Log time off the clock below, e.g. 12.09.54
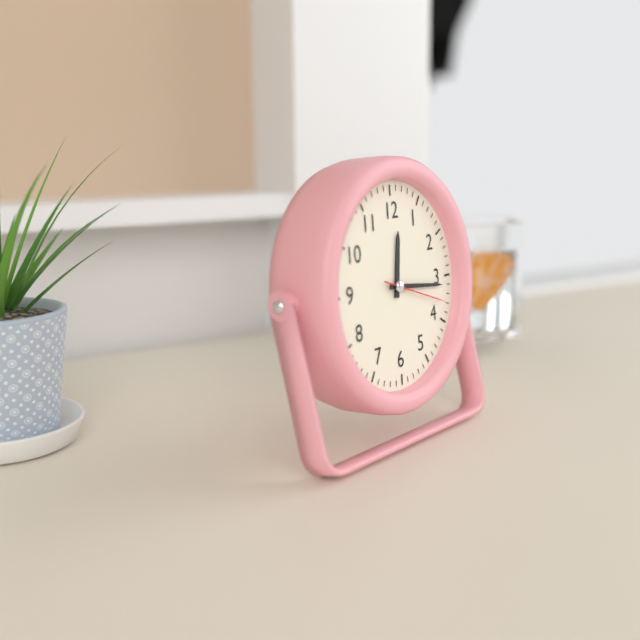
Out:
12.16.18
